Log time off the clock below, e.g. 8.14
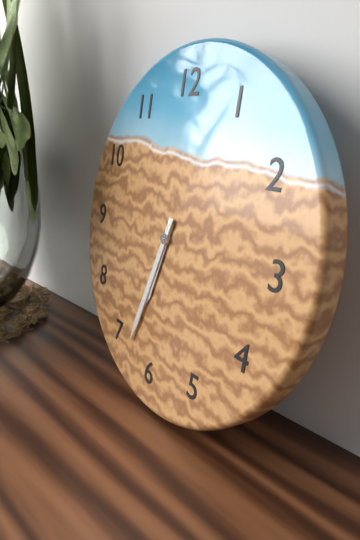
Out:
6.33
